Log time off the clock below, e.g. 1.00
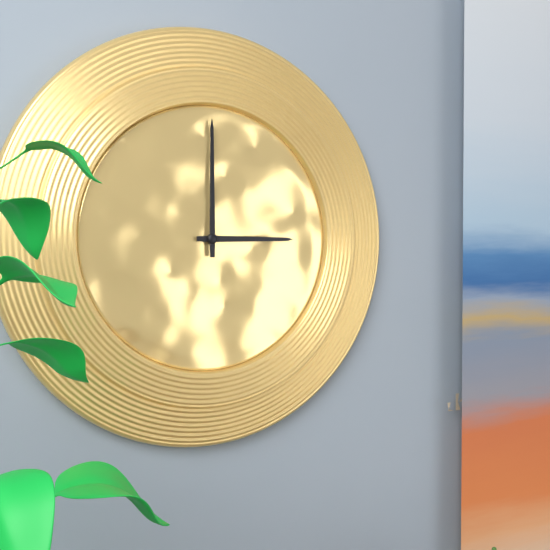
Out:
3.00
